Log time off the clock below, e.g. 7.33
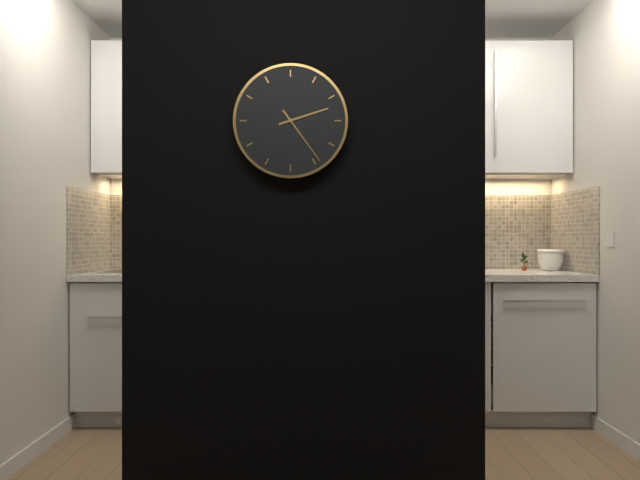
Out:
2.24
